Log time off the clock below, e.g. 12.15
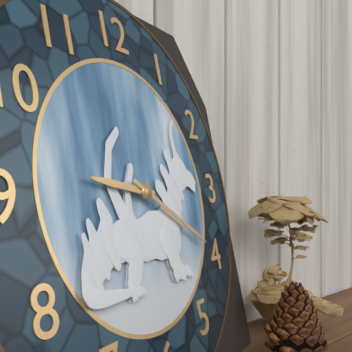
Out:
9.20
